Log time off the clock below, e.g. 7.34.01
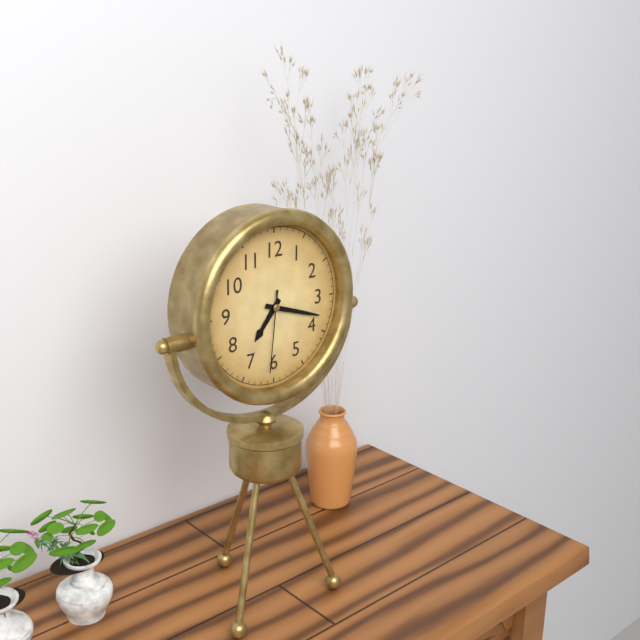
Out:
7.18.31
